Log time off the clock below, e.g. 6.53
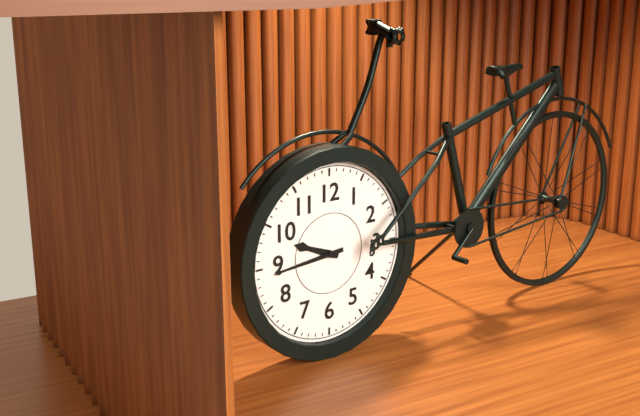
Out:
9.44
